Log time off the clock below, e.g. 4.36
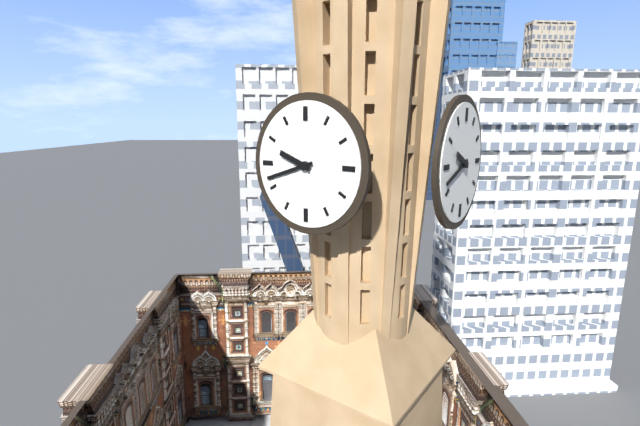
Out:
9.42
